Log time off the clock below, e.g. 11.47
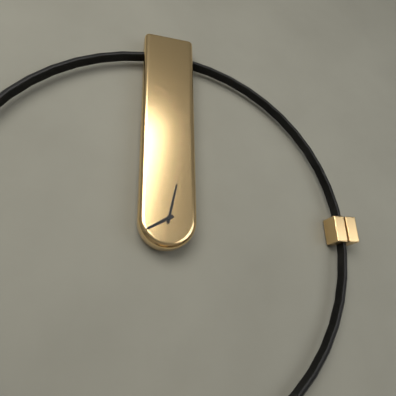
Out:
8.02
